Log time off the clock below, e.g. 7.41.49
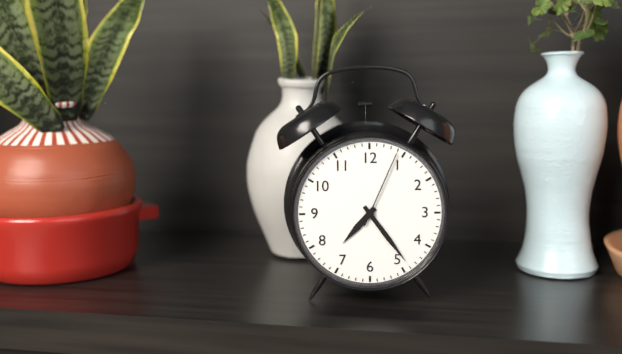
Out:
7.24.04
